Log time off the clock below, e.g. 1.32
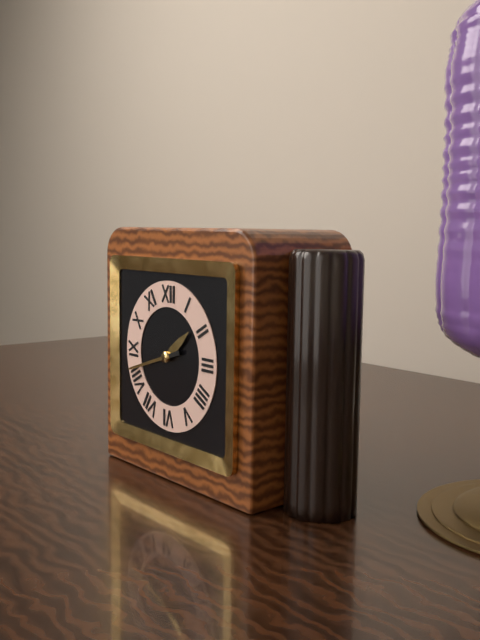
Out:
1.42
